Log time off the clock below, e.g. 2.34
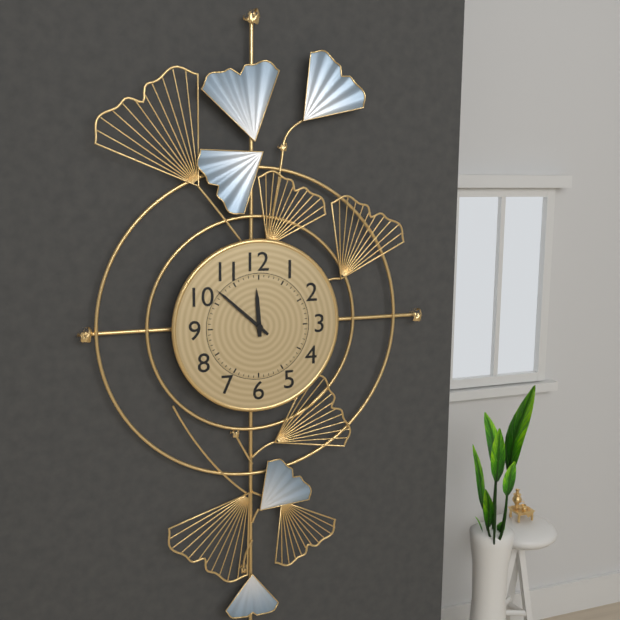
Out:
11.52
